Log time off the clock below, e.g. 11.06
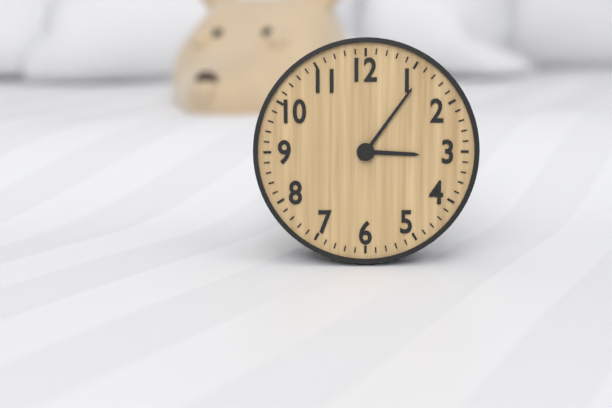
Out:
3.06
